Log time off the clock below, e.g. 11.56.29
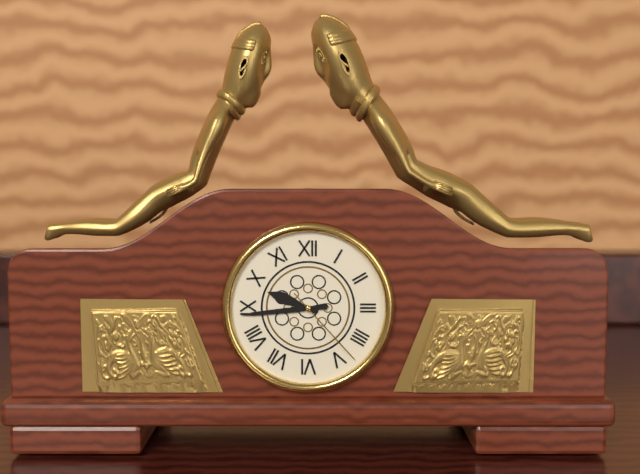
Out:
9.44.23
